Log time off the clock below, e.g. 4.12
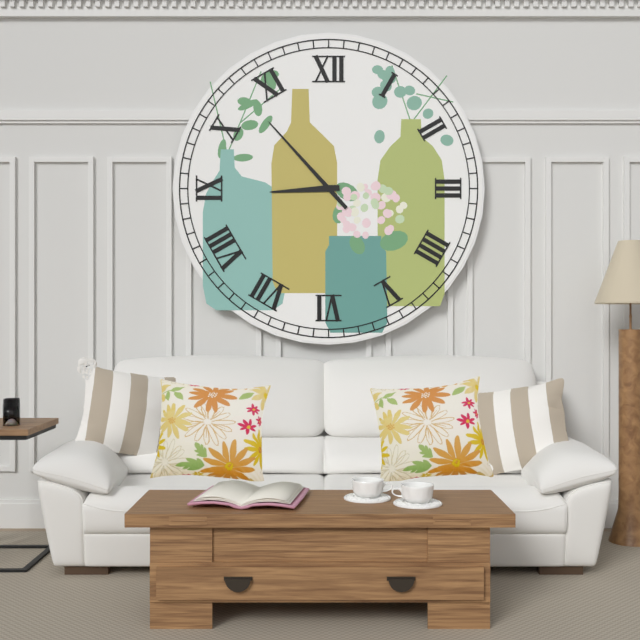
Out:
8.53
